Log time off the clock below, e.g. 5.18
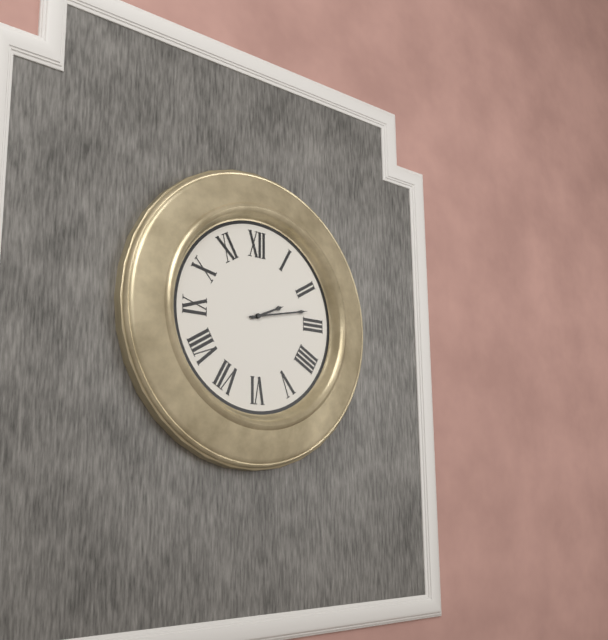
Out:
2.13
